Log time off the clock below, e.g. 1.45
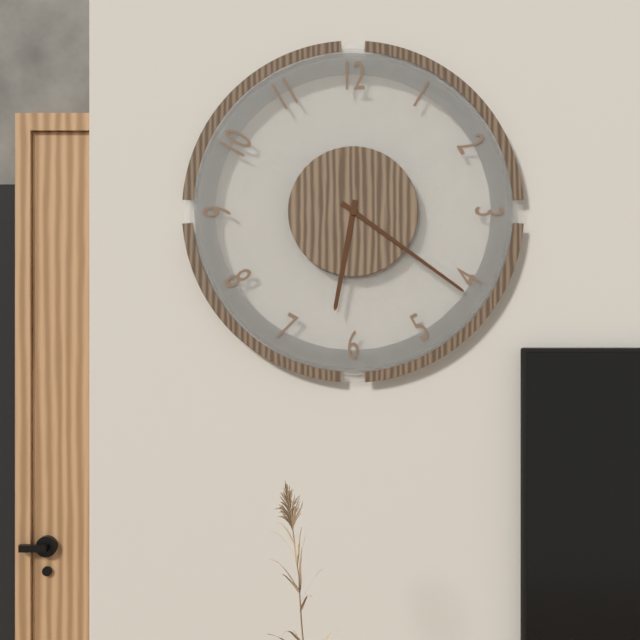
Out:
6.21
